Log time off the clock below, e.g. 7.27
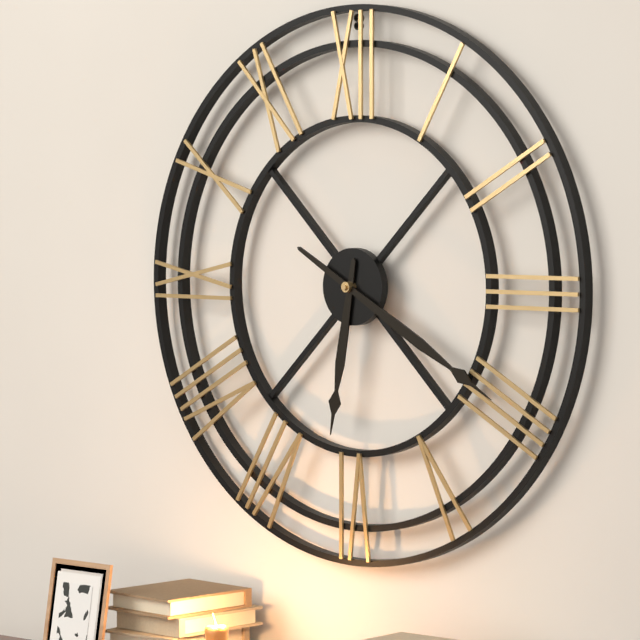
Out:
6.20
